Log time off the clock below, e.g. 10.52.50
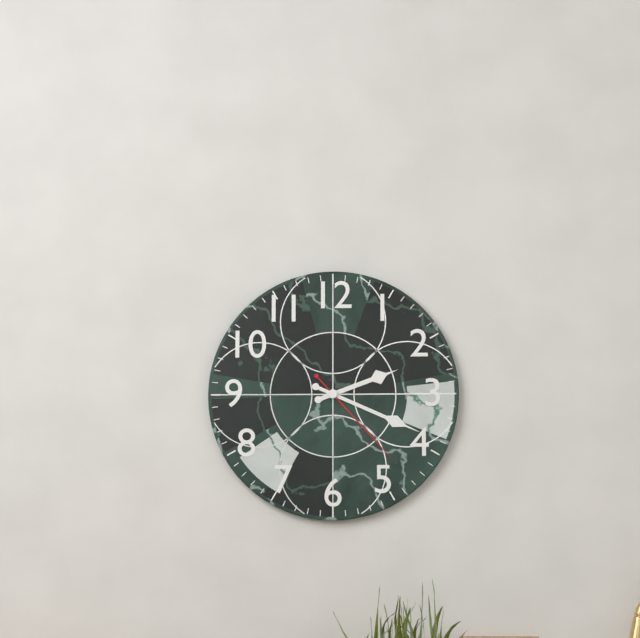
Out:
2.19.23
